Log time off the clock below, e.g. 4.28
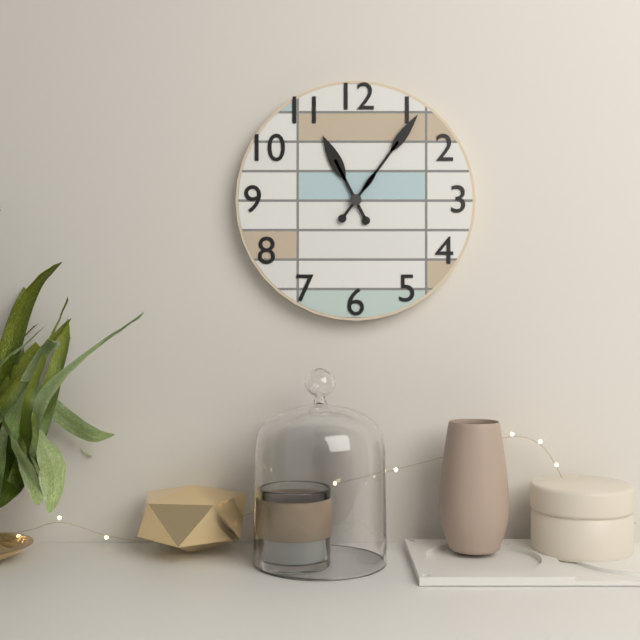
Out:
11.06
